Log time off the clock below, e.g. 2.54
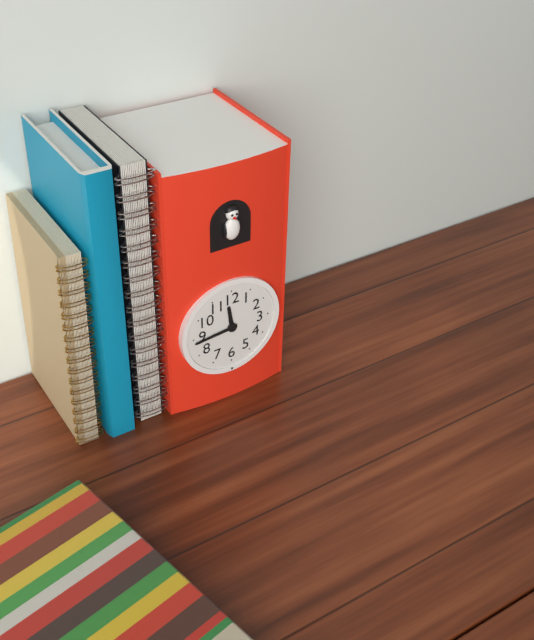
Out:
11.44
